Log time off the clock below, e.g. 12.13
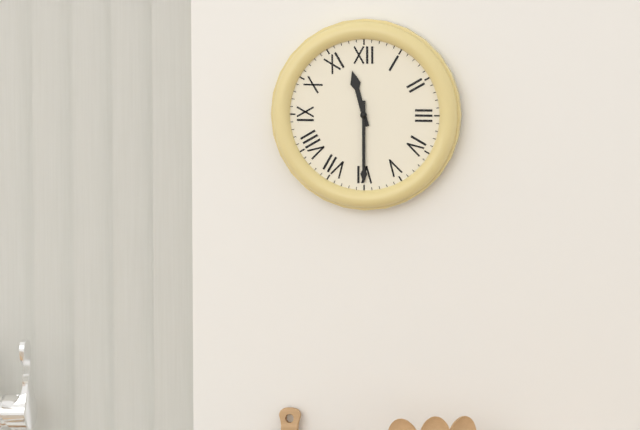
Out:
11.30
